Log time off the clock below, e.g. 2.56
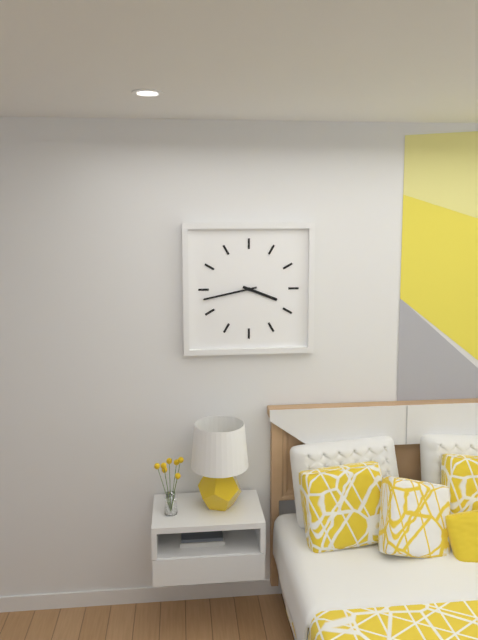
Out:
3.43
